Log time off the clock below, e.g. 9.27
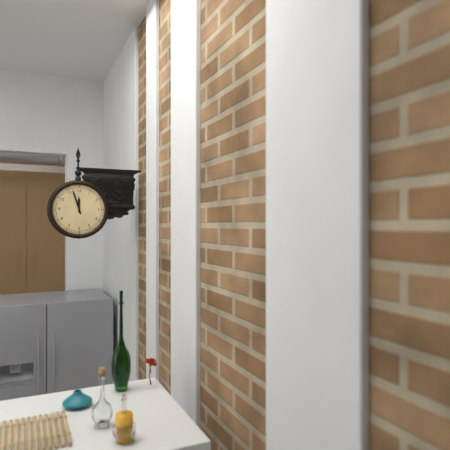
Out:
11.57
